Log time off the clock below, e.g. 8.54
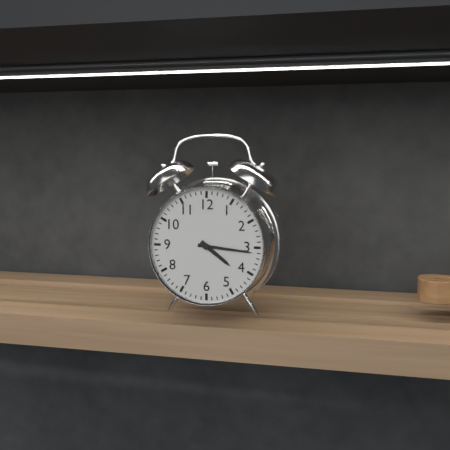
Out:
4.16
